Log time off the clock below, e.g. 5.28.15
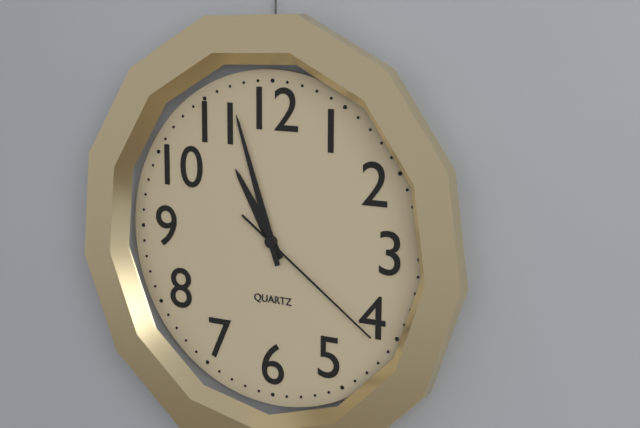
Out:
10.57.21
